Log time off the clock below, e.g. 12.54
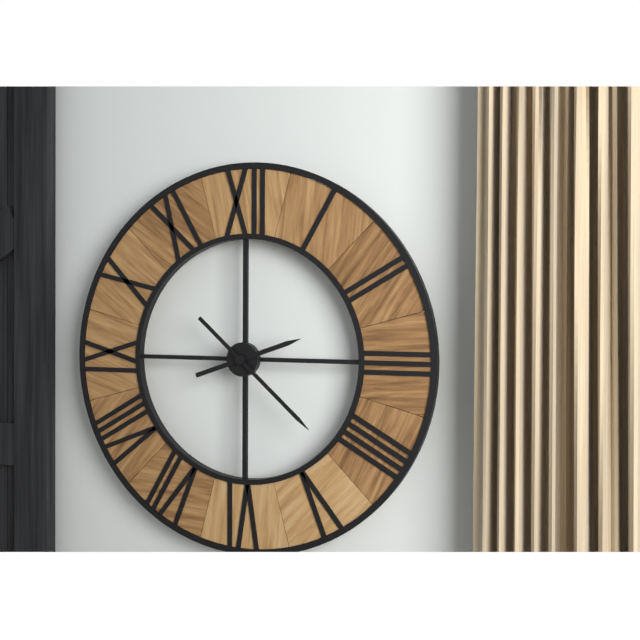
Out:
2.22
